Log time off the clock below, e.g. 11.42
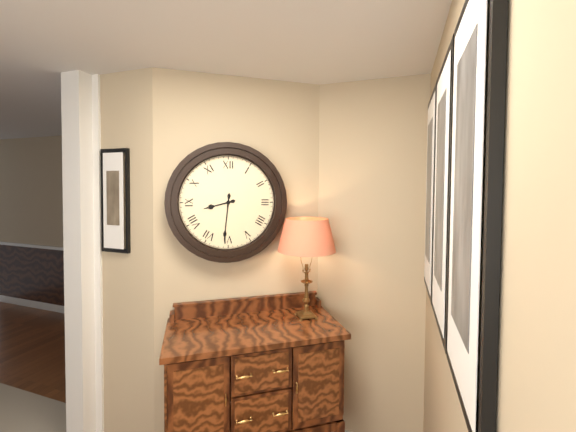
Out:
8.31
